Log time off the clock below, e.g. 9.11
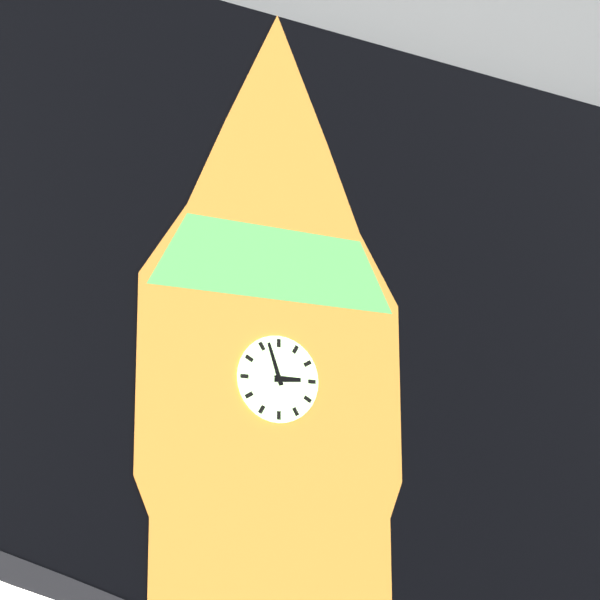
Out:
2.57
